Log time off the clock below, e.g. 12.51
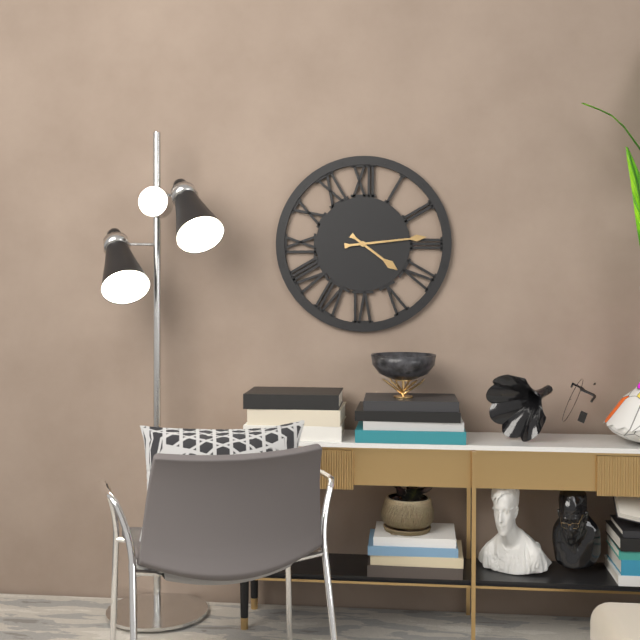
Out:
4.14
